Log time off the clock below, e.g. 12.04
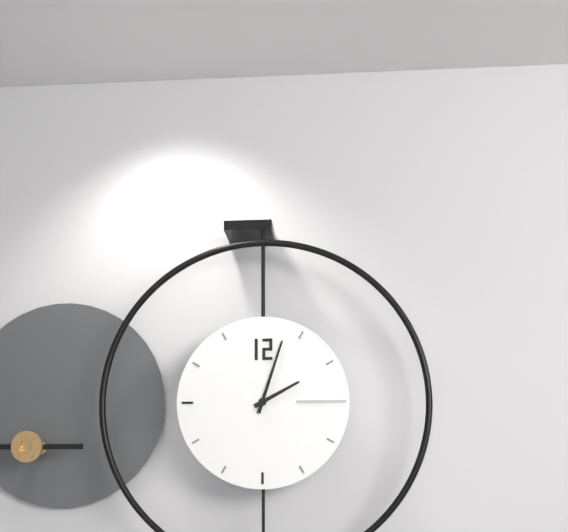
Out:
2.03
